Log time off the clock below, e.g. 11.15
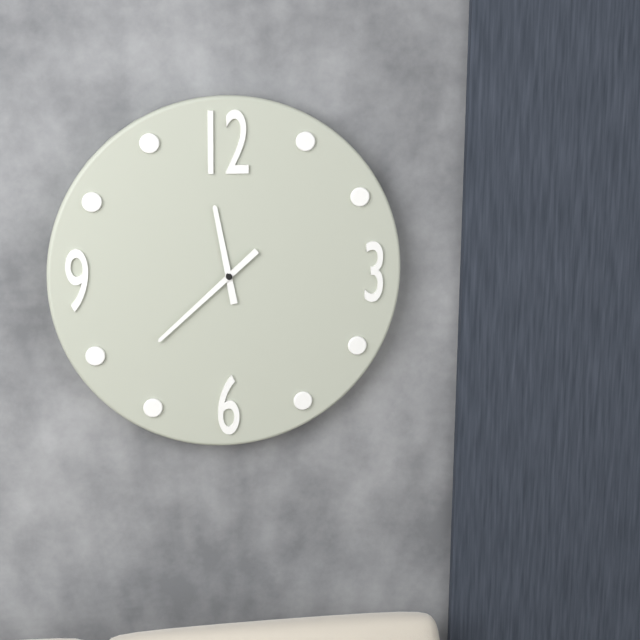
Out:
11.38
